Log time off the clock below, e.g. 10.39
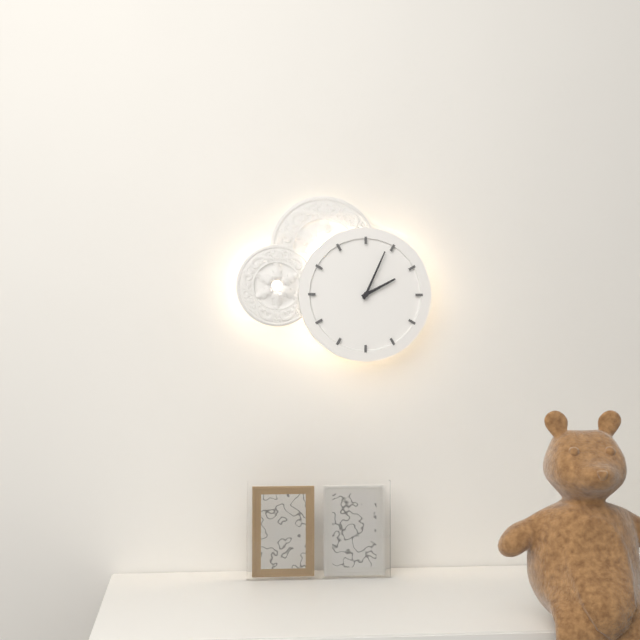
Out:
2.04
